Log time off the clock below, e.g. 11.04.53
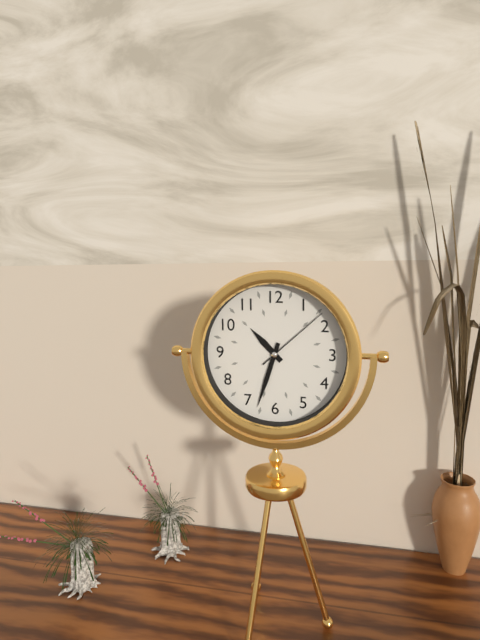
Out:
10.33.08
